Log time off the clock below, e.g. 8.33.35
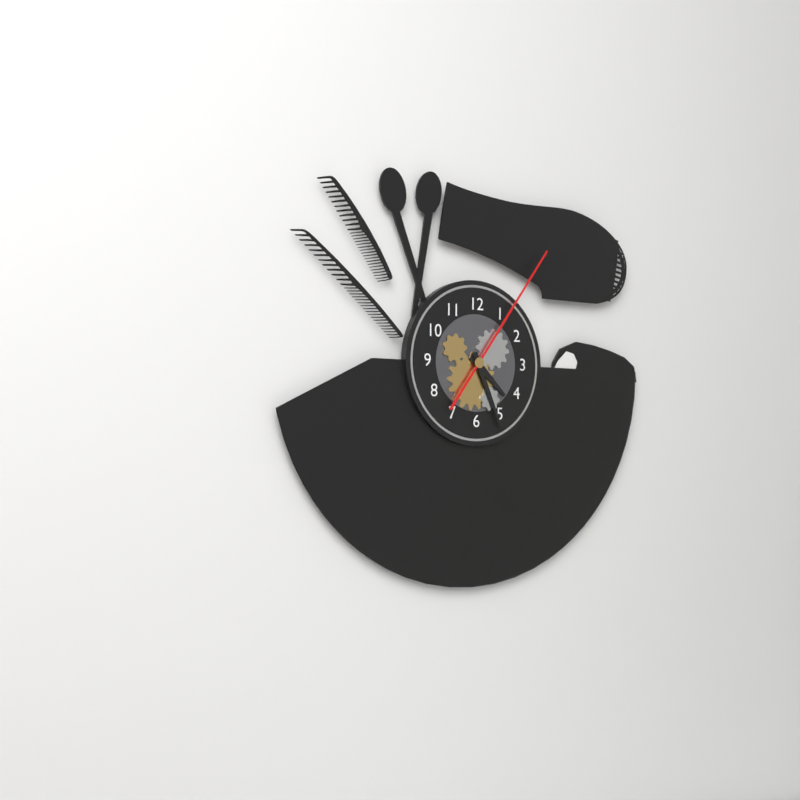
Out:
4.26.06
